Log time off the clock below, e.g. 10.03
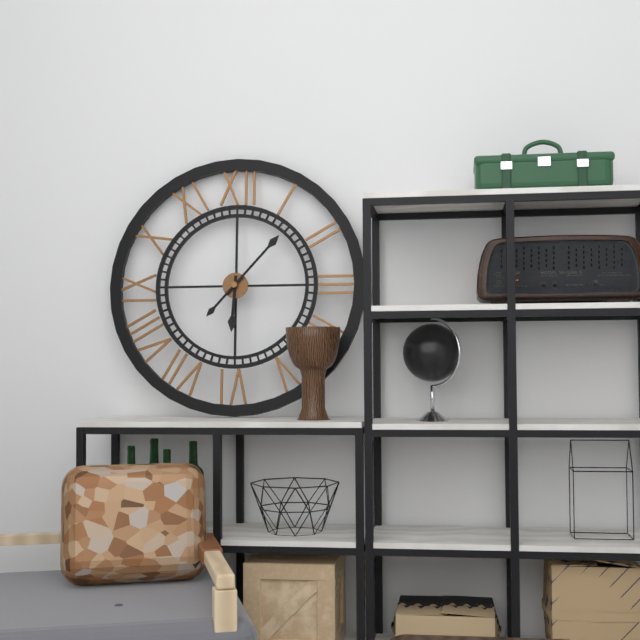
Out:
6.07
